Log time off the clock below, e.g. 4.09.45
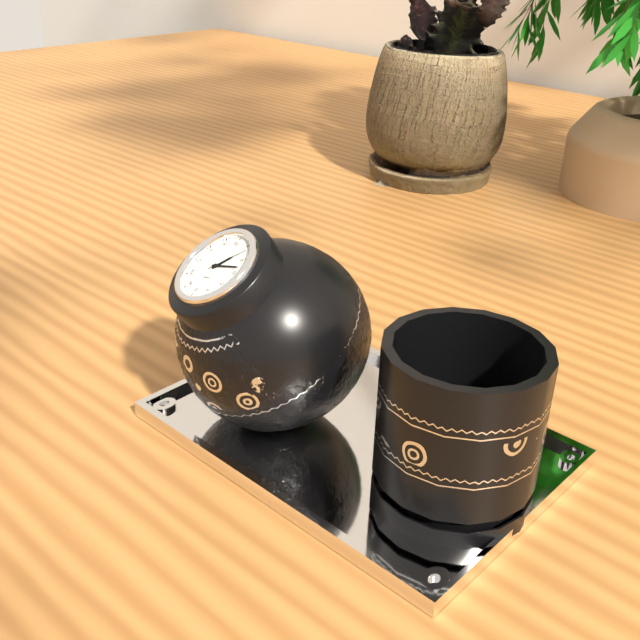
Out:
1.13.07
